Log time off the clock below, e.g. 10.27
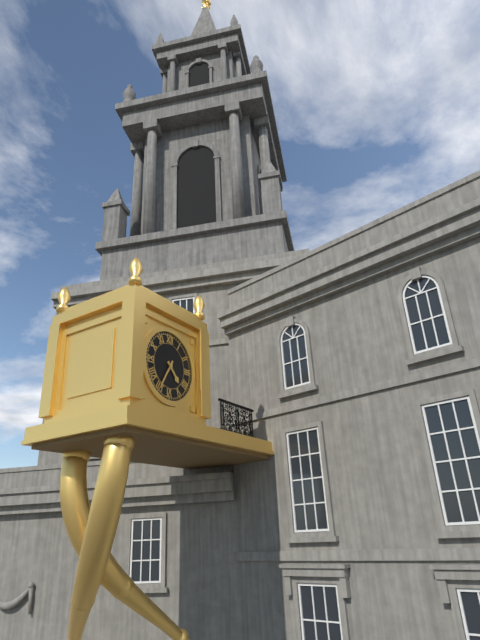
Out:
4.35
